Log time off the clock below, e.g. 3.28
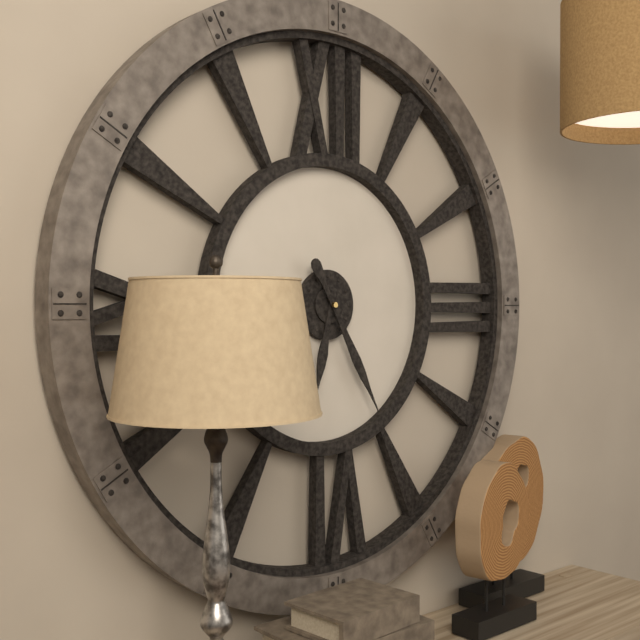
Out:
6.25
